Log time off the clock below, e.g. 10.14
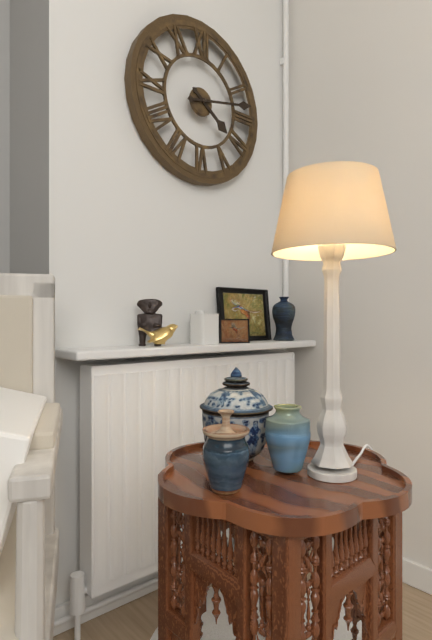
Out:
4.13
